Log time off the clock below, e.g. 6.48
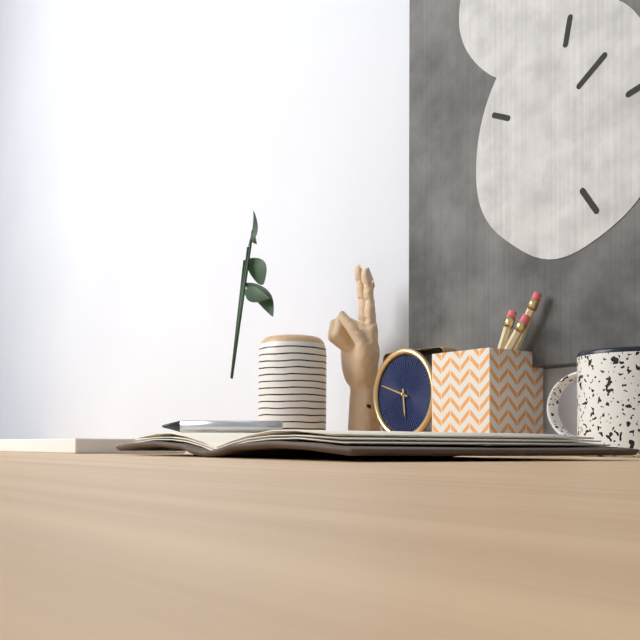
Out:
5.48
